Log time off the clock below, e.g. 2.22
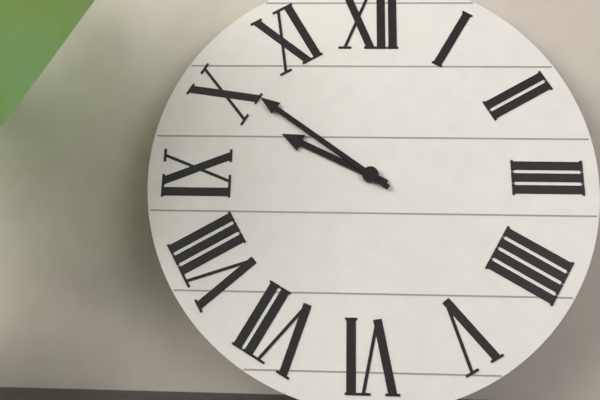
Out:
9.51
